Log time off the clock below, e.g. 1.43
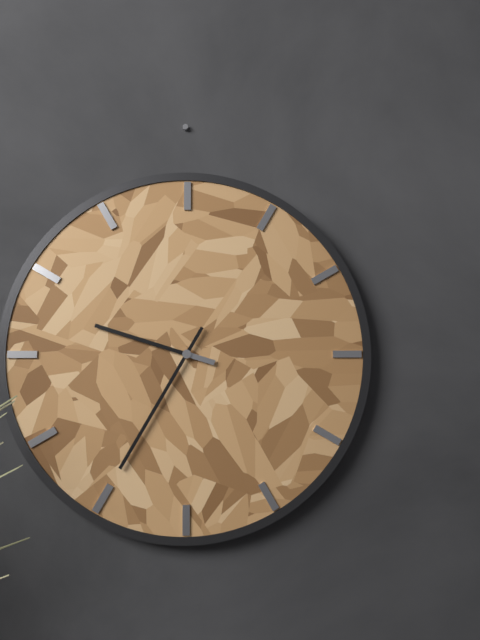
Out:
9.35
